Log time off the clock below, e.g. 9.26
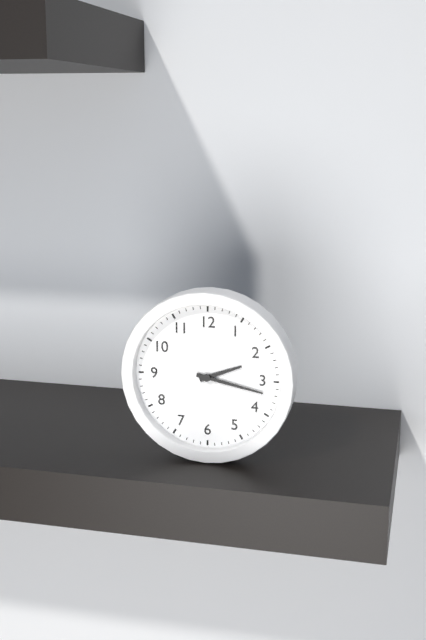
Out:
2.17
